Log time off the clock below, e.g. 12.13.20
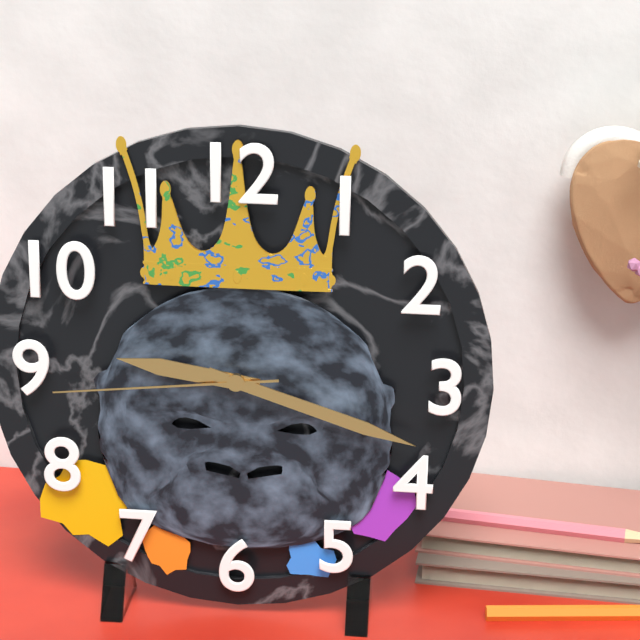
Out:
9.18.44
